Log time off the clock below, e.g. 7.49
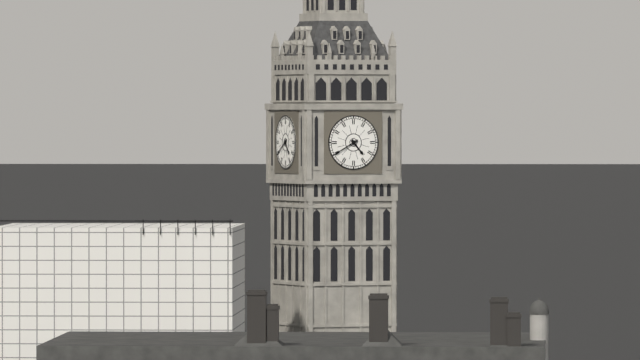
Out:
4.40
